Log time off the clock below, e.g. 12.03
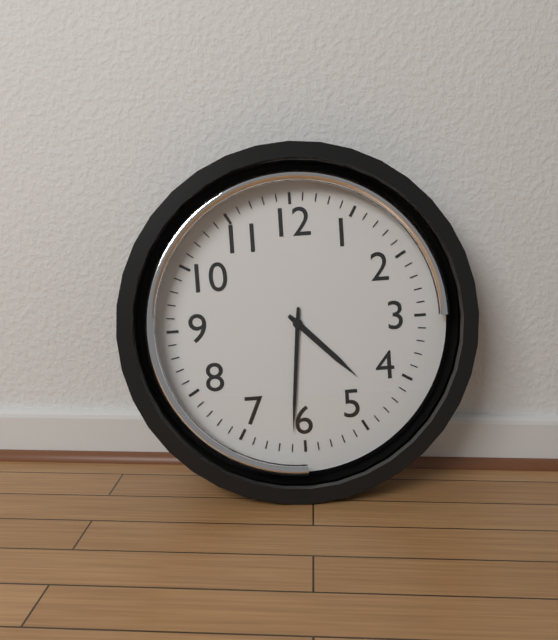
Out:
4.31
